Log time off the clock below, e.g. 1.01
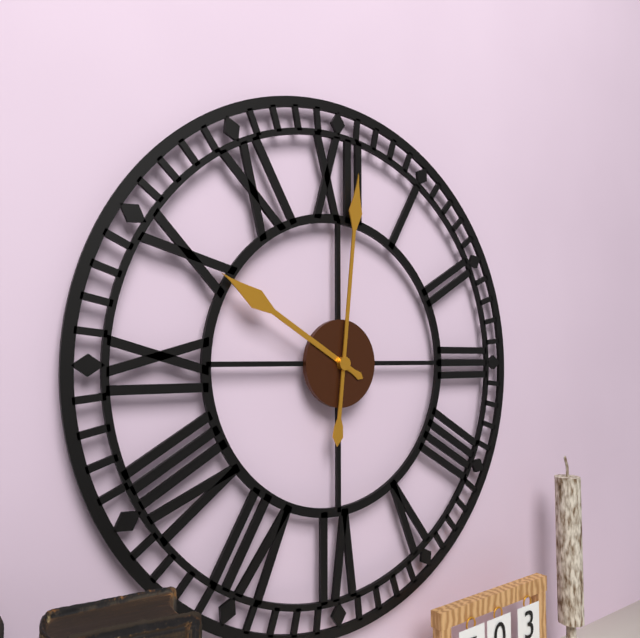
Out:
10.01
